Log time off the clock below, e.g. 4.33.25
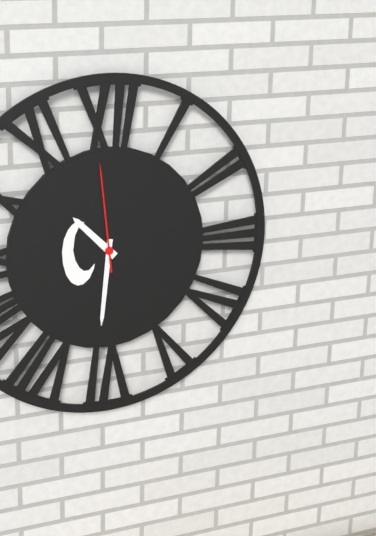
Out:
10.31.59
